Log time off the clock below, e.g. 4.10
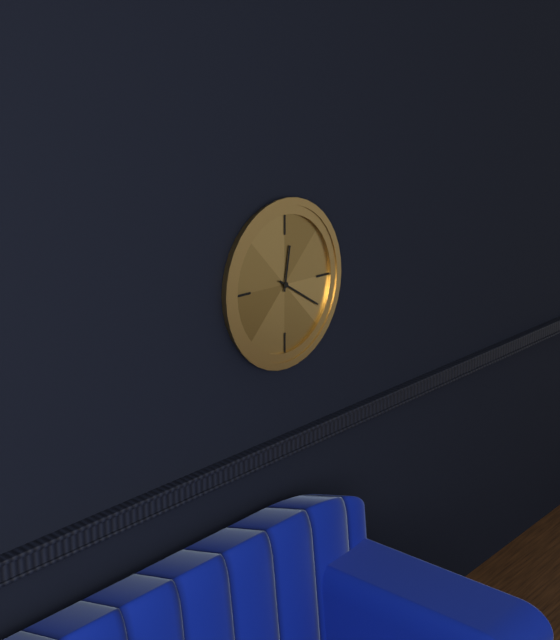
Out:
12.20
